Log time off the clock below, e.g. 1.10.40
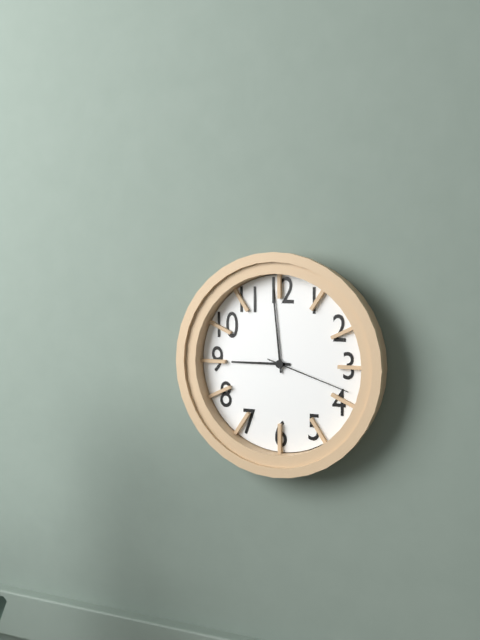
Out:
8.59.18
